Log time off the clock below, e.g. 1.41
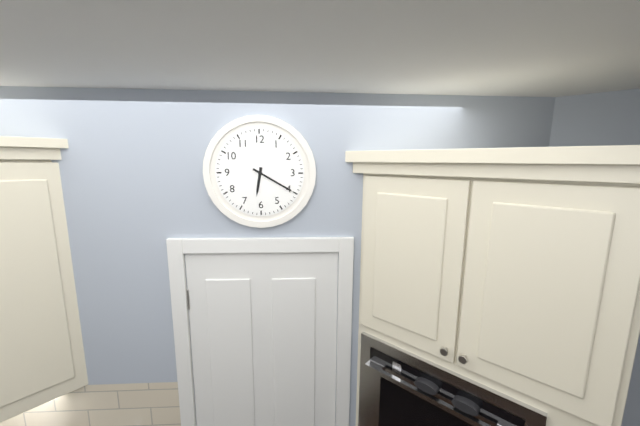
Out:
6.20
